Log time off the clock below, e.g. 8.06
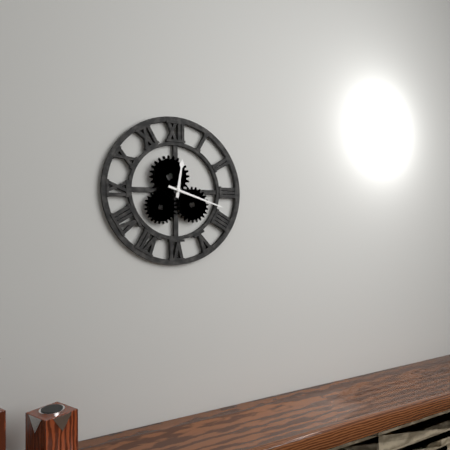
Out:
12.18
